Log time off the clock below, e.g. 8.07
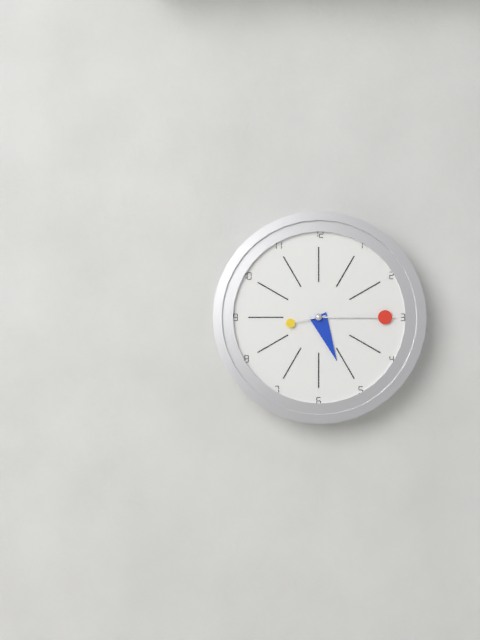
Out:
5.15
